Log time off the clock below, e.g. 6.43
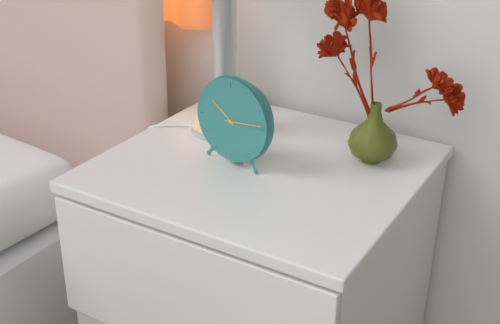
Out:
10.14
